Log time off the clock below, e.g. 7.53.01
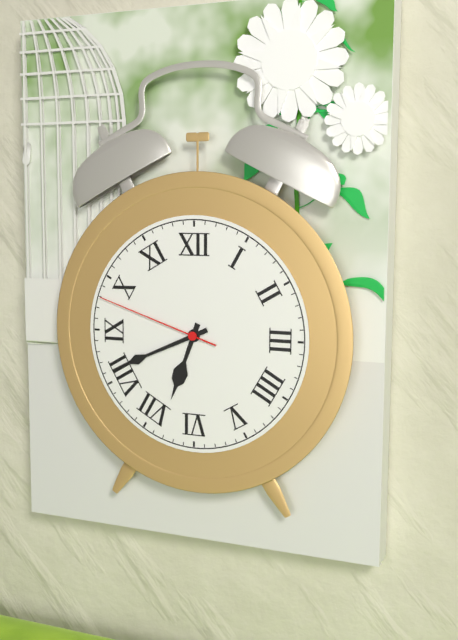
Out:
6.41.48
